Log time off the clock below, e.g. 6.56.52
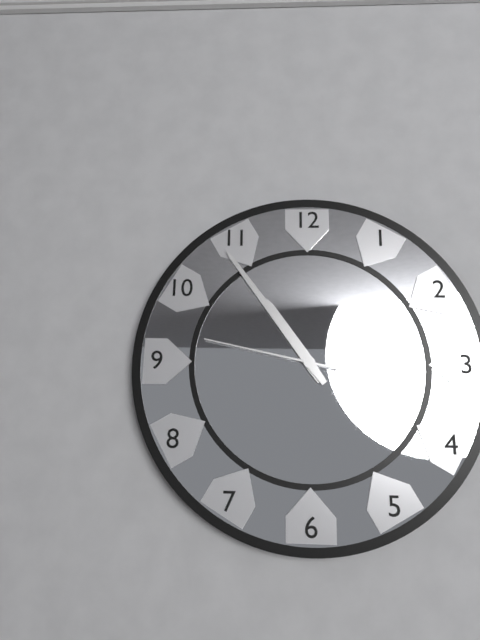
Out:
10.54.47
